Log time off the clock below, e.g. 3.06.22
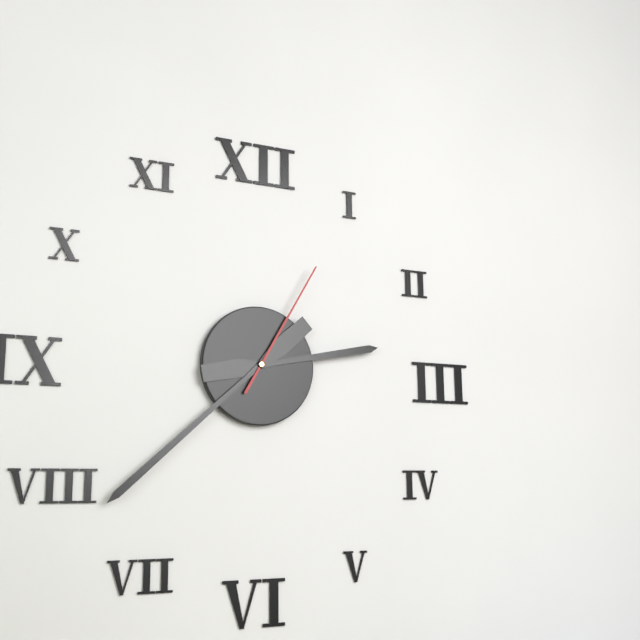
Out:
2.38.05
